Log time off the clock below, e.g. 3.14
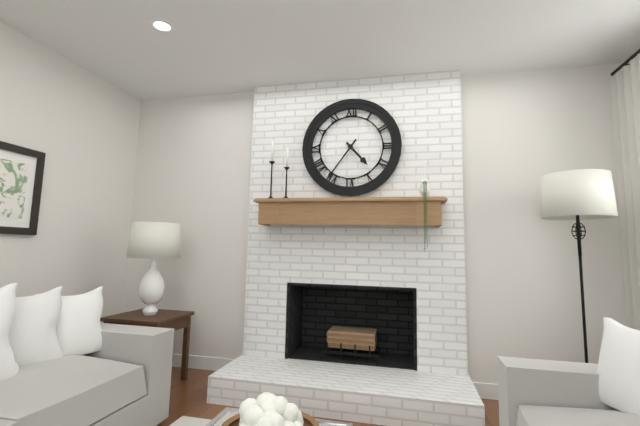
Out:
4.36
